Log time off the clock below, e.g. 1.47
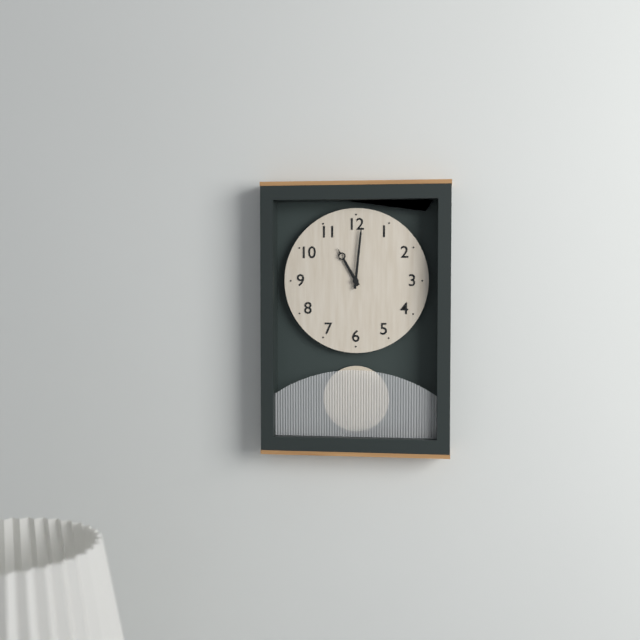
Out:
11.01
